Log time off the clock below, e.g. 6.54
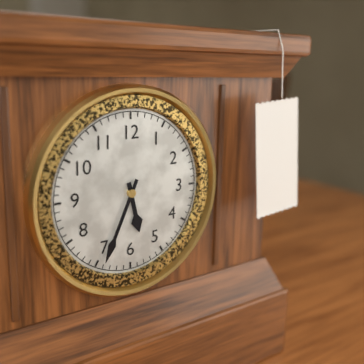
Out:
5.34
